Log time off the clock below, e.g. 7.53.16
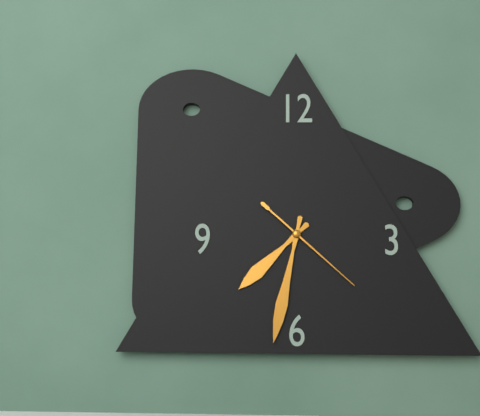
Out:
7.32.22
